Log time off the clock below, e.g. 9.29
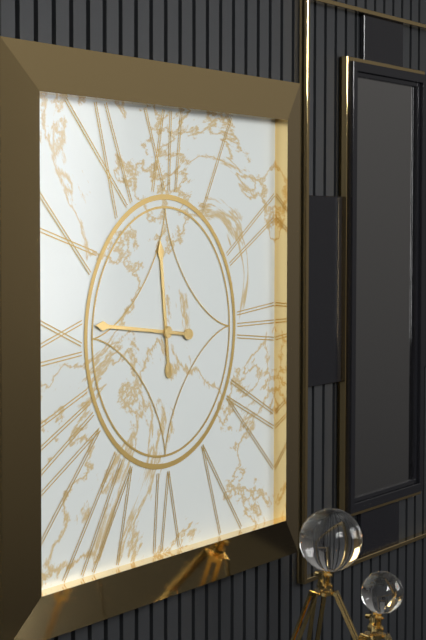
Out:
11.46
